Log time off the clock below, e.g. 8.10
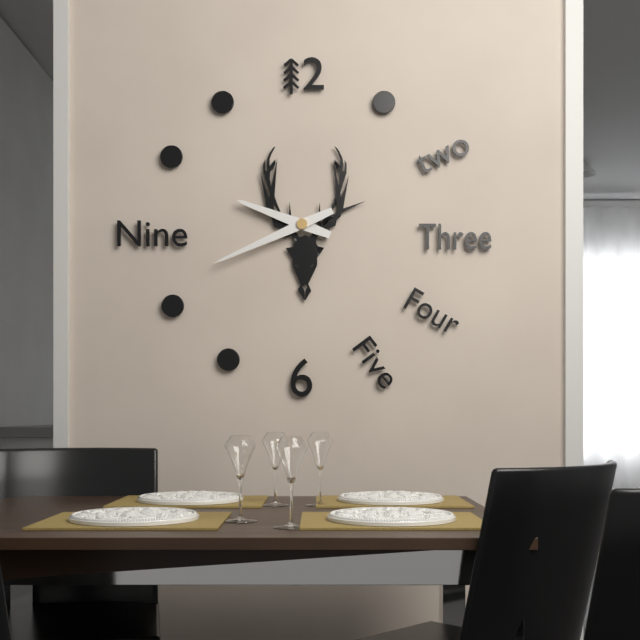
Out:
9.41
